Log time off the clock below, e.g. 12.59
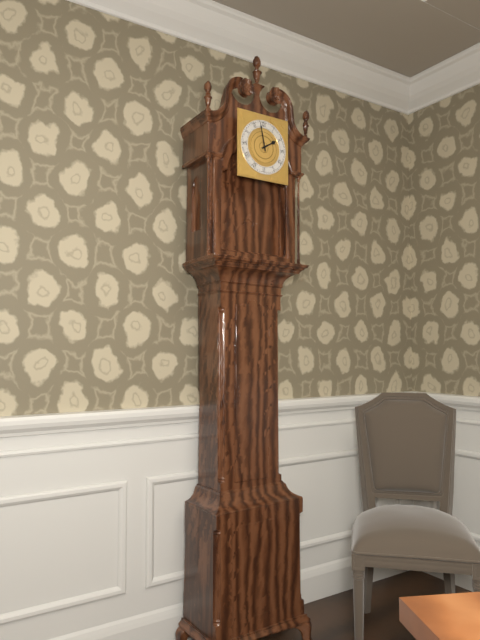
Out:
1.58
